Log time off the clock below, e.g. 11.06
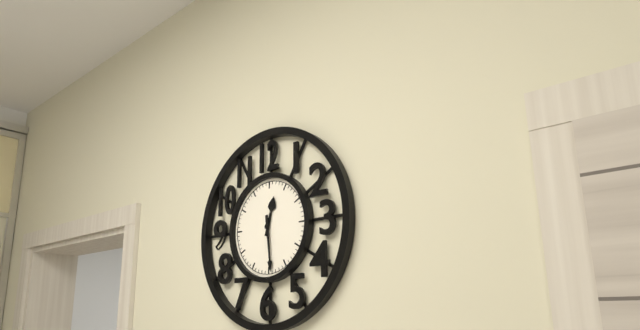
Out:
12.29
